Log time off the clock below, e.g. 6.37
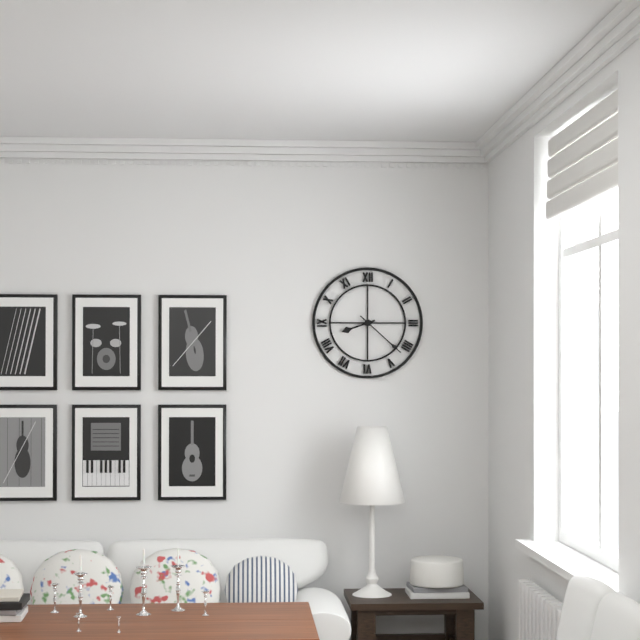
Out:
8.22
